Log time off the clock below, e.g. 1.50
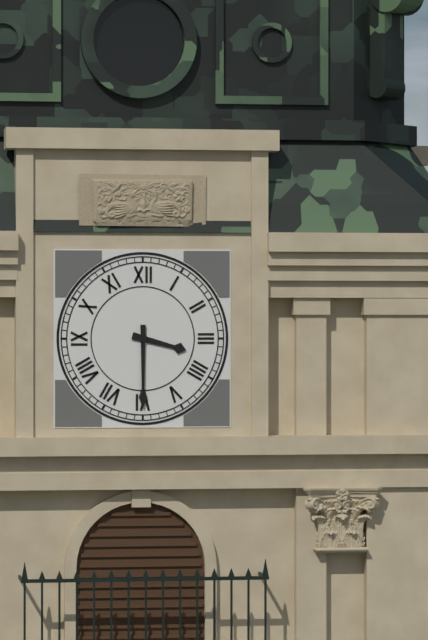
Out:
3.30
